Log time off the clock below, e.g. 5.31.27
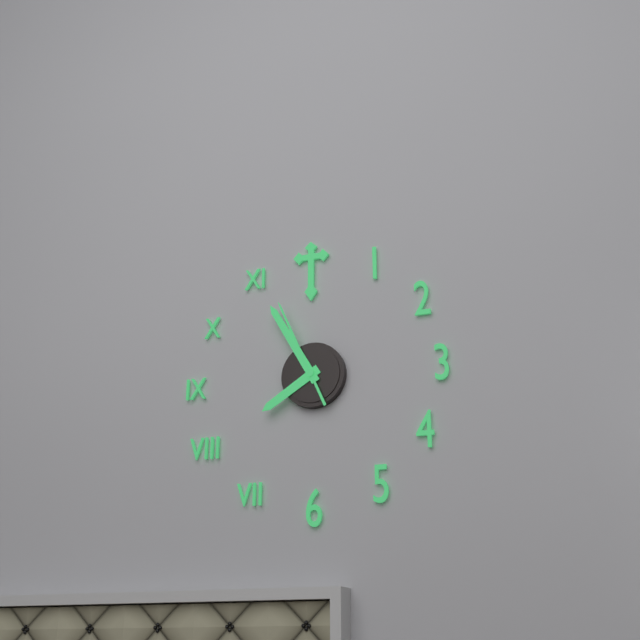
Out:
7.55.56
